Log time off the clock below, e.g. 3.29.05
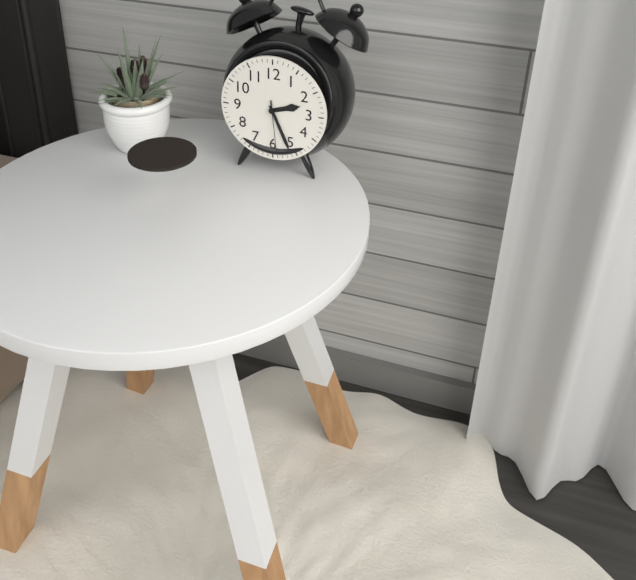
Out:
2.26.29
